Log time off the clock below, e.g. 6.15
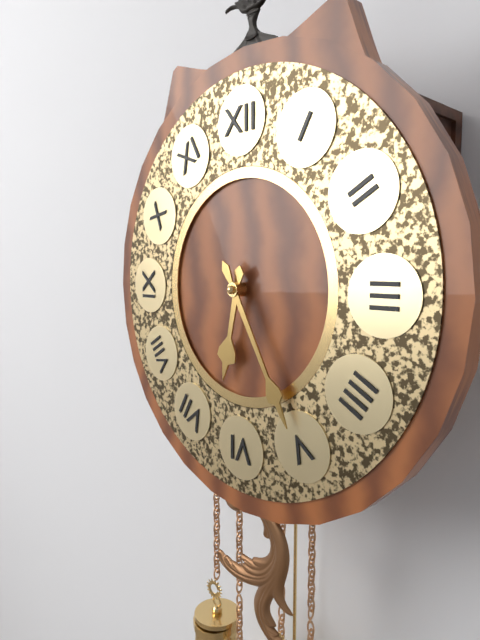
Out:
6.25
